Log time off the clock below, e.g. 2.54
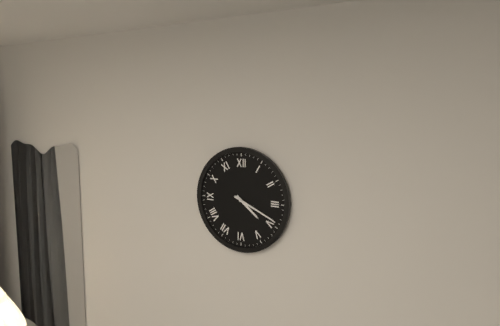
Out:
4.19
